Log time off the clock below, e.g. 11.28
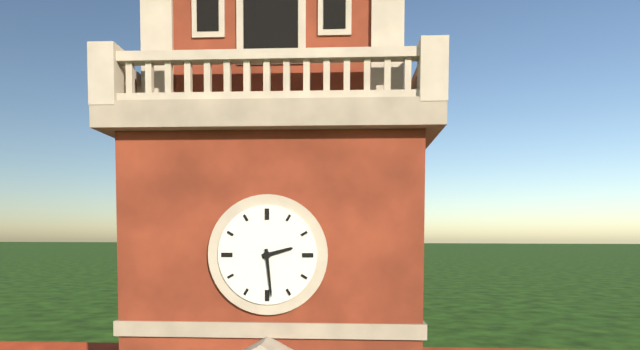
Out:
2.29
